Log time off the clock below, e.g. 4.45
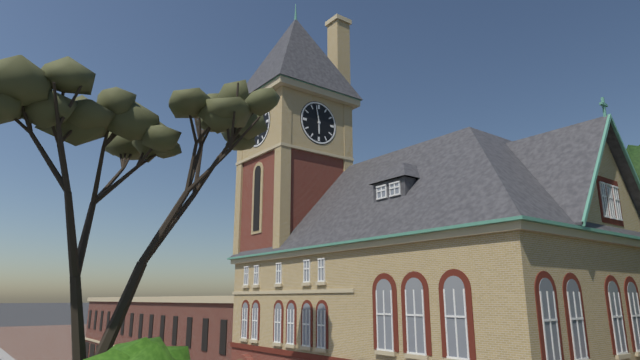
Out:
5.58
